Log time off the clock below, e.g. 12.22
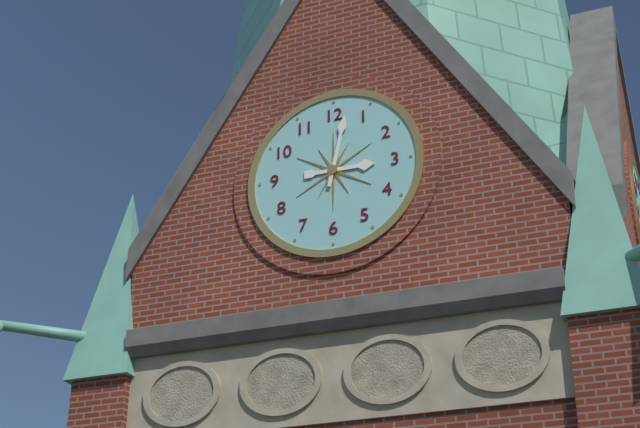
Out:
3.02
